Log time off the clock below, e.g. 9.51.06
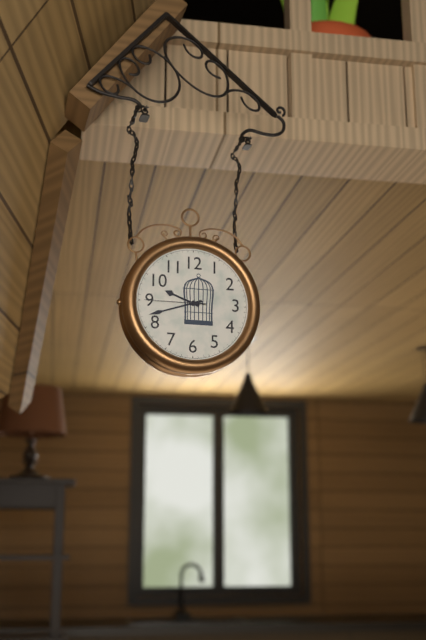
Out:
9.42.45
